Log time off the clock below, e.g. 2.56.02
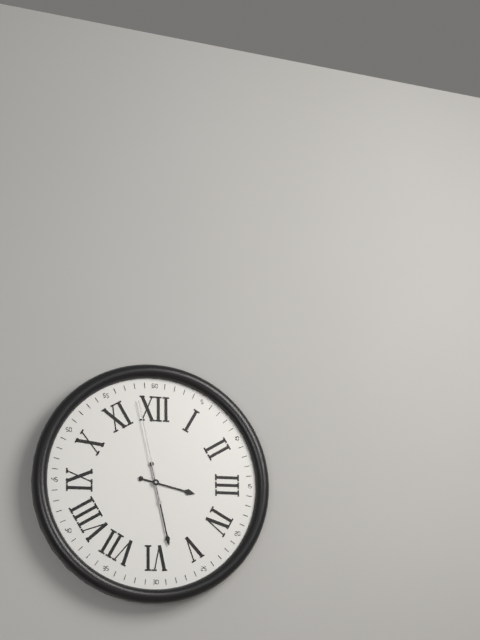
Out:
3.28.58
